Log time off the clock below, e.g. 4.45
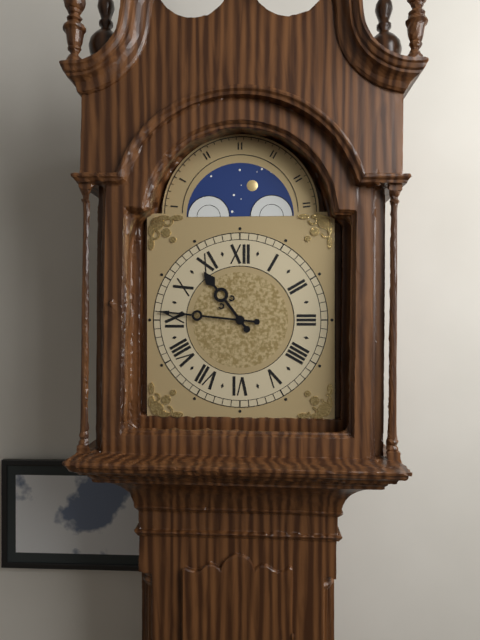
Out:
10.46
